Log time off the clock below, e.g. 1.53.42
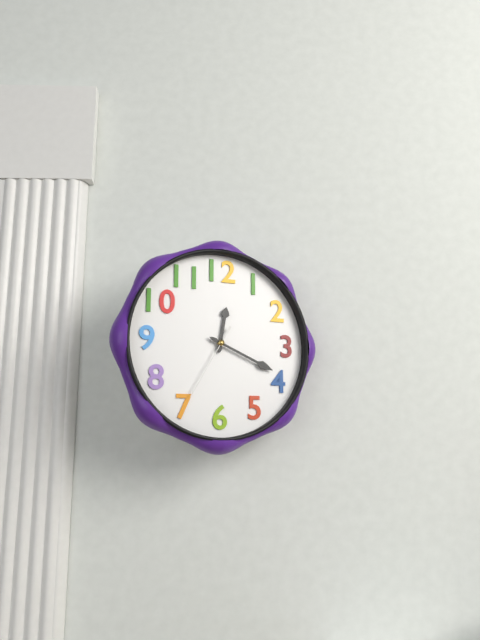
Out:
12.19.35
